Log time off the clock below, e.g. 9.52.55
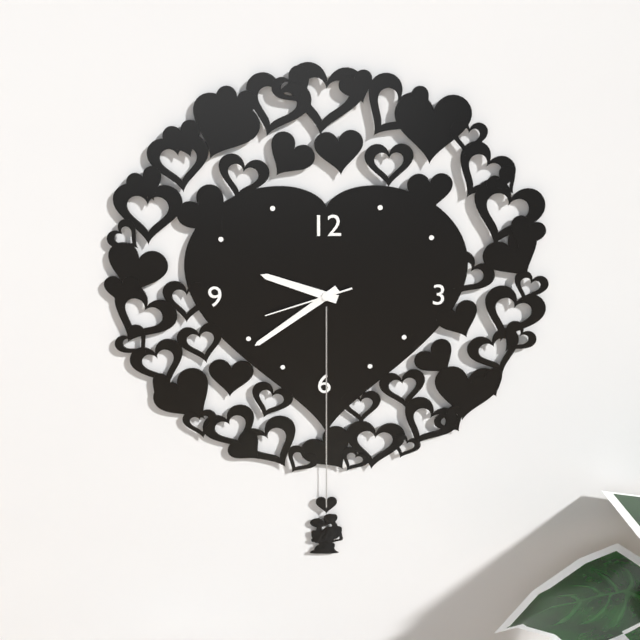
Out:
9.39.42
